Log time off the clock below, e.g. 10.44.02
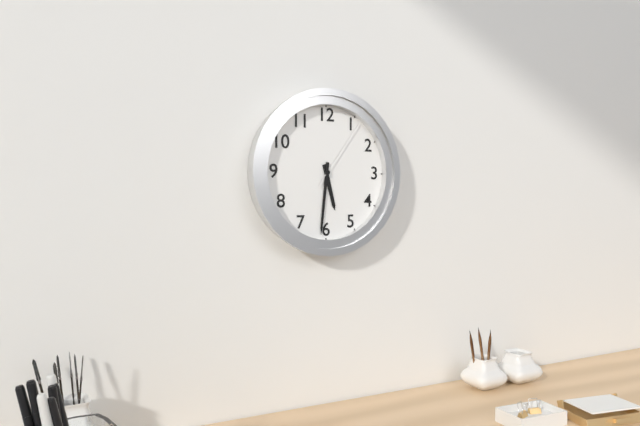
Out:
5.31.06
